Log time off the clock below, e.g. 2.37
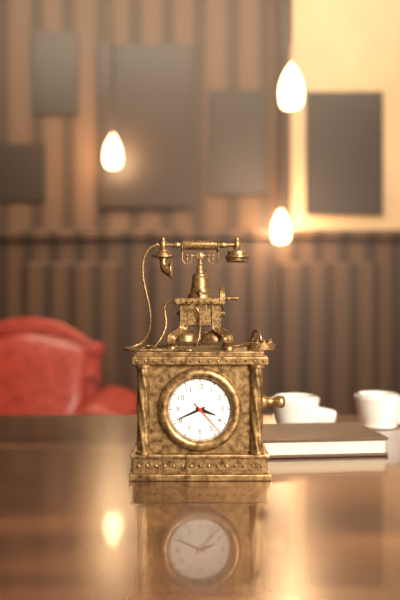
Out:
3.41
